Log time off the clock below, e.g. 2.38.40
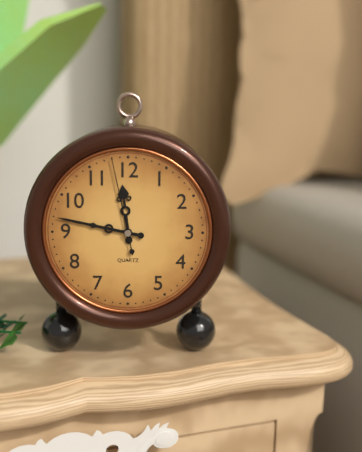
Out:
11.47.58
